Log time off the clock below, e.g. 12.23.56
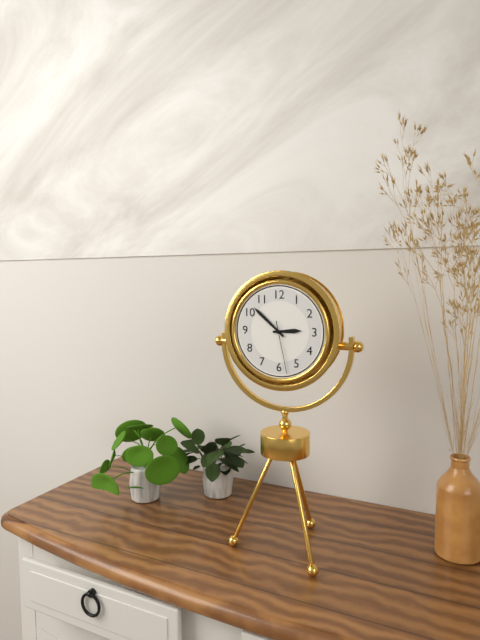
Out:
2.52.28
